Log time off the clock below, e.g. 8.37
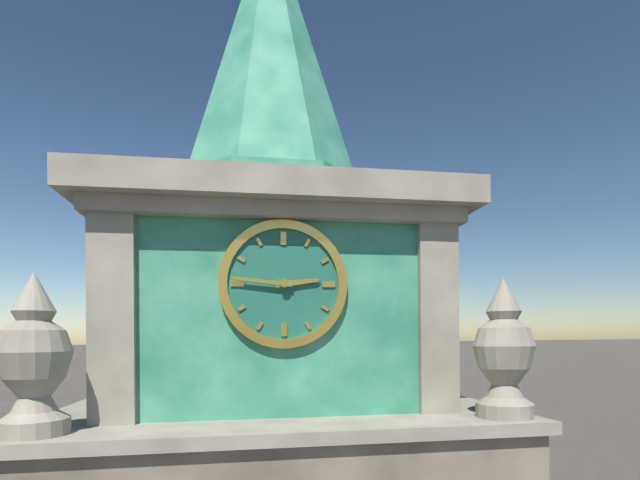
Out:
2.46
